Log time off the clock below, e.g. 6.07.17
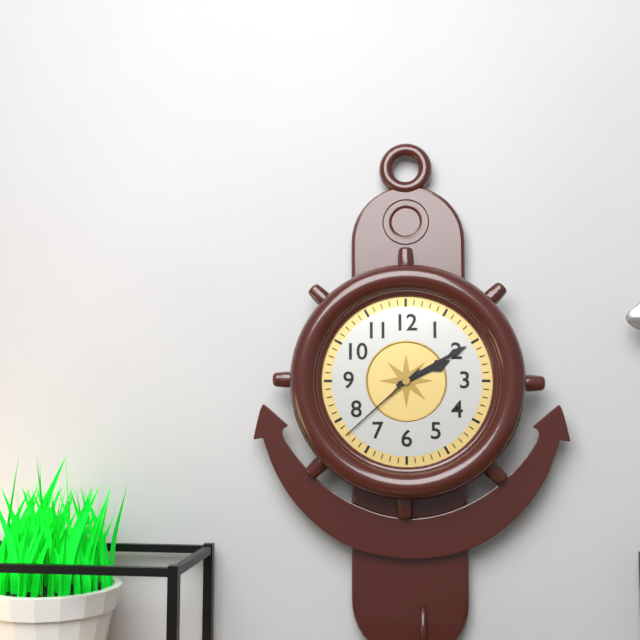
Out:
2.10.38
